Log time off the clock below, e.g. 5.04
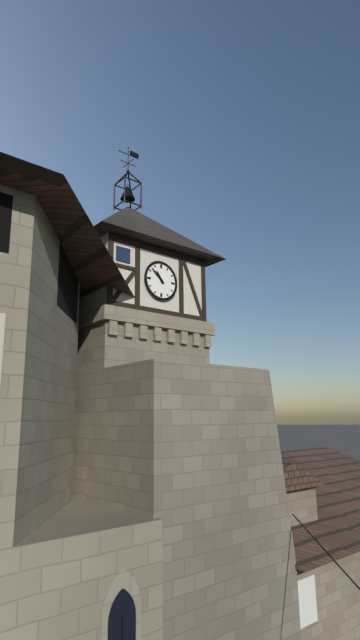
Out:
10.52
